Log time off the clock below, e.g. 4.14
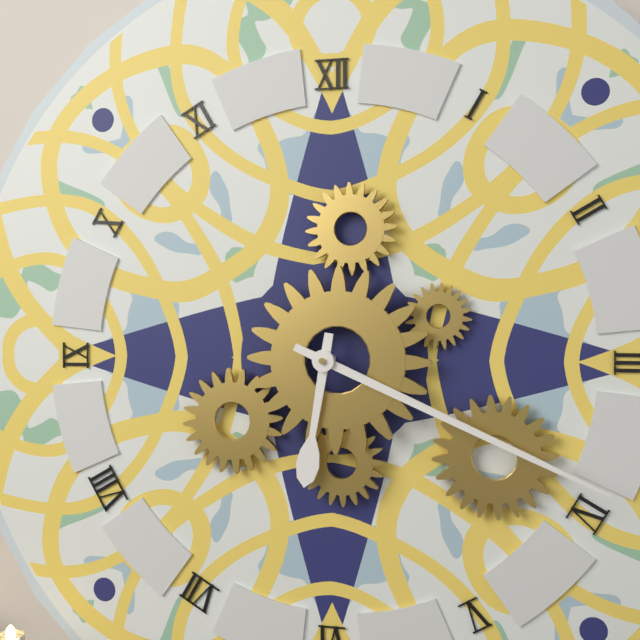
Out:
6.19
